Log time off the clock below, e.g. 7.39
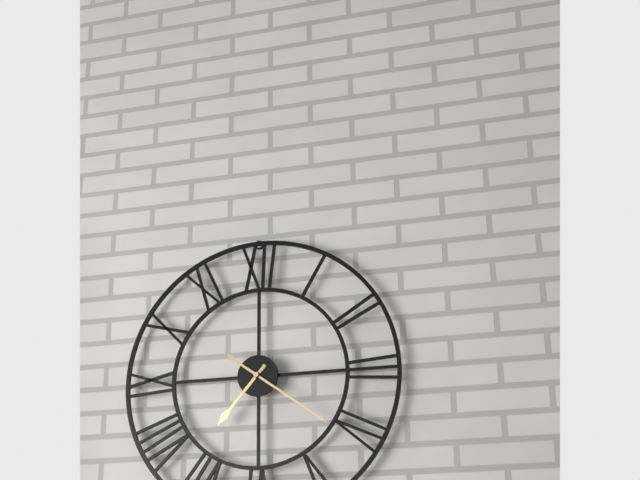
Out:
7.21
